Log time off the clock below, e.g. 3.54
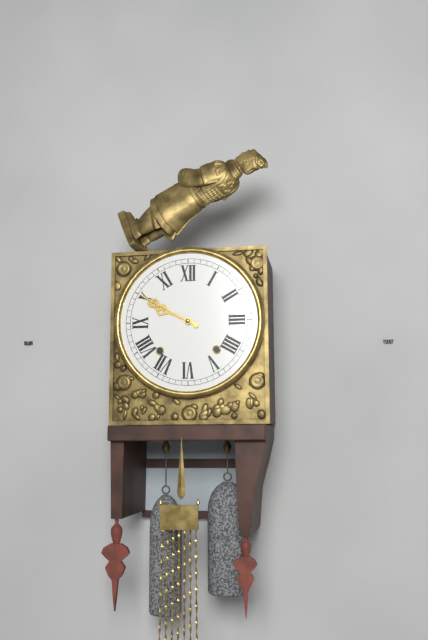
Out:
9.50
